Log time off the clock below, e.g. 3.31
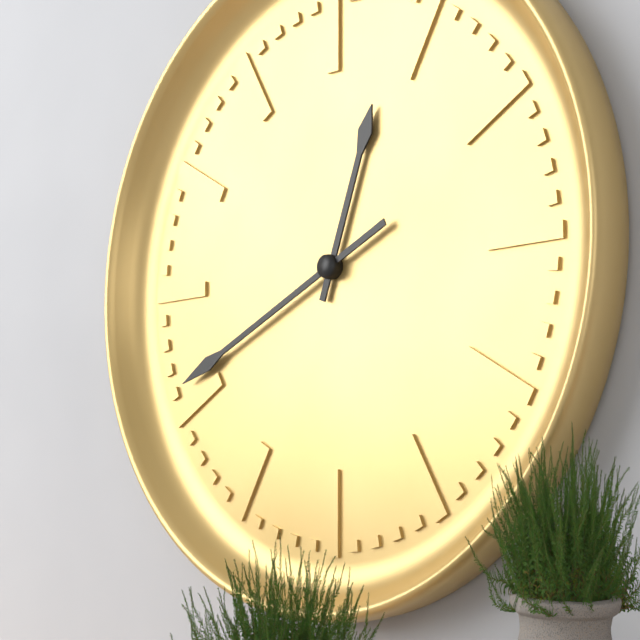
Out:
12.41
